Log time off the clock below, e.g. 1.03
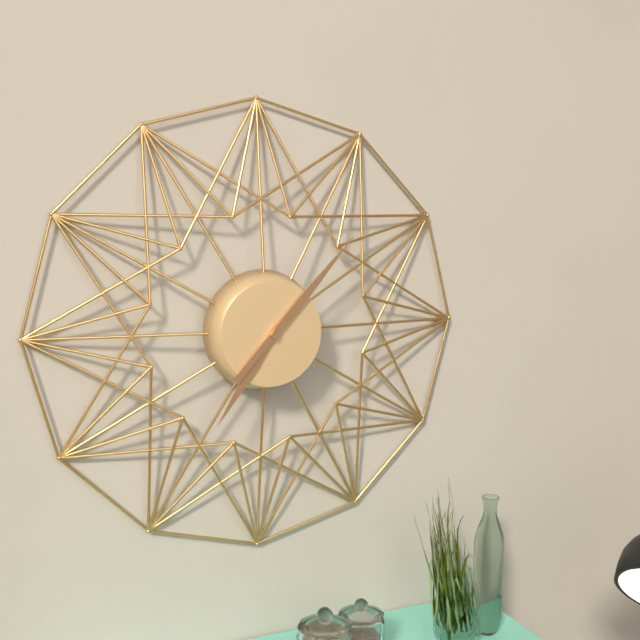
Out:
7.07
